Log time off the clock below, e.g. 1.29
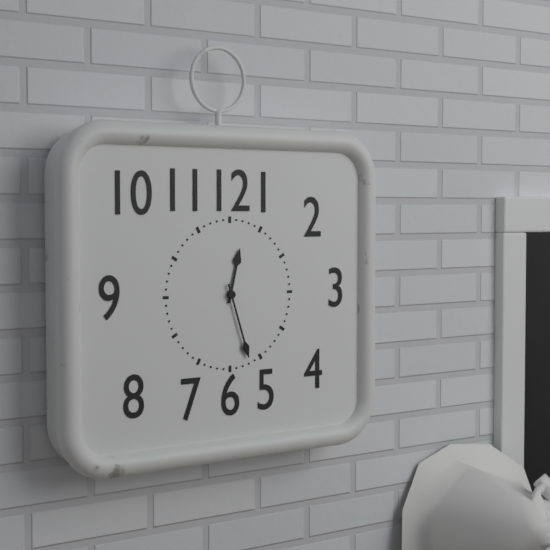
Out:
12.27
